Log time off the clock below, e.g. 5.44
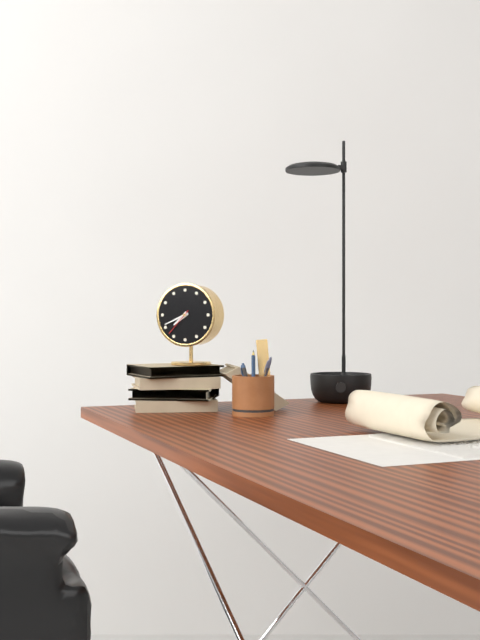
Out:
7.41
